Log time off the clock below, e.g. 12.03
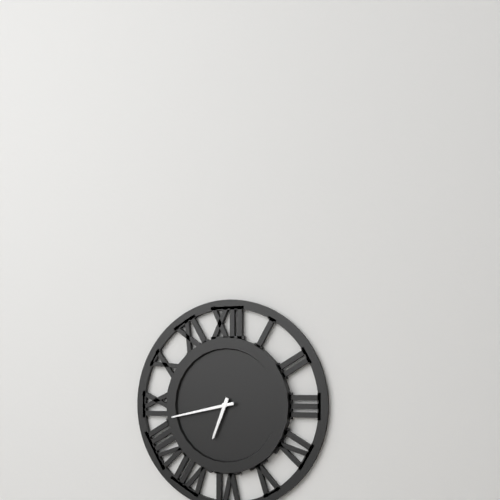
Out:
6.43
